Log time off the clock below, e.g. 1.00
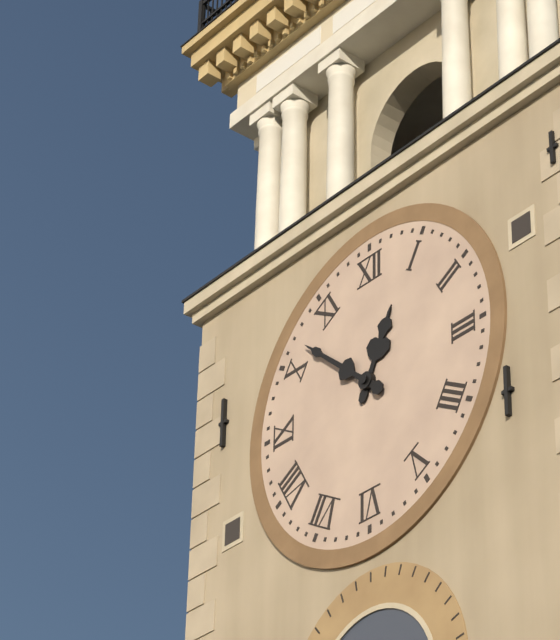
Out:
12.52
